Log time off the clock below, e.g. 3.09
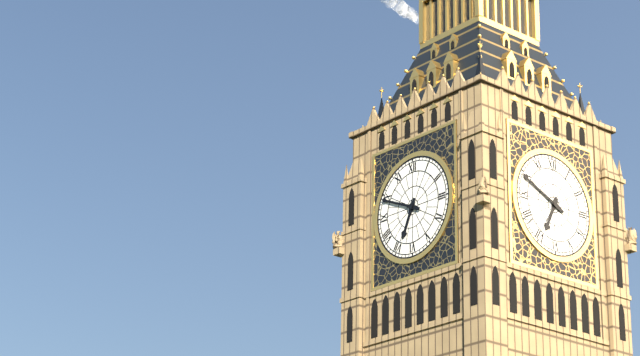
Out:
6.49
